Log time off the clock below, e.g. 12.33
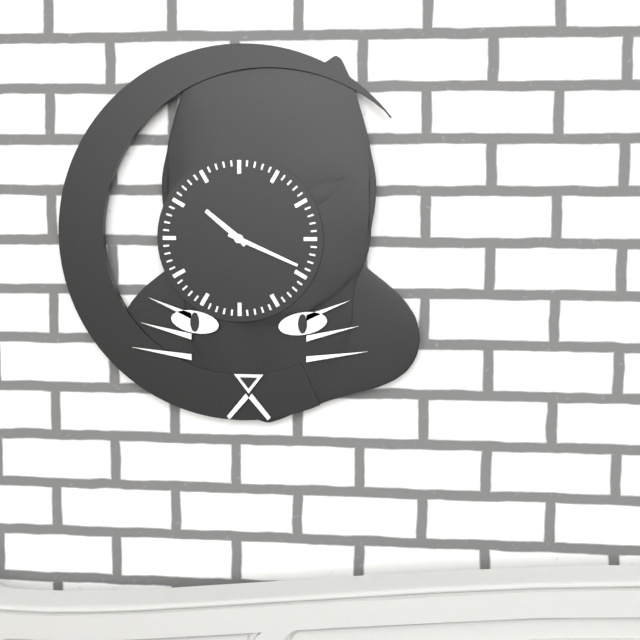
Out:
10.19
